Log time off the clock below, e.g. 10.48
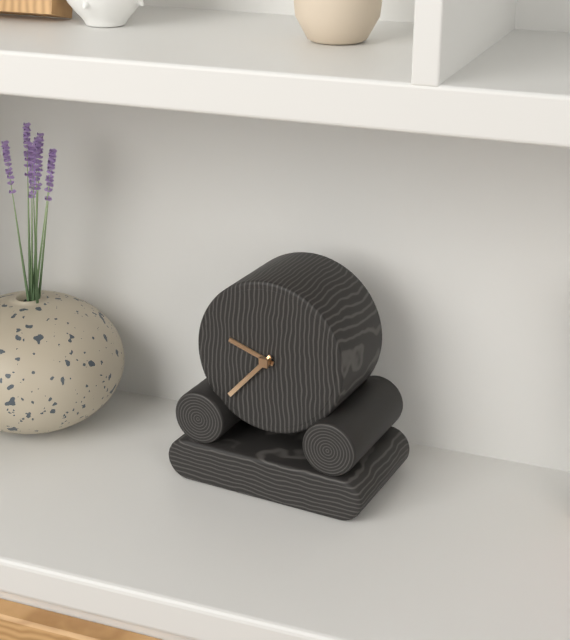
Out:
9.37
